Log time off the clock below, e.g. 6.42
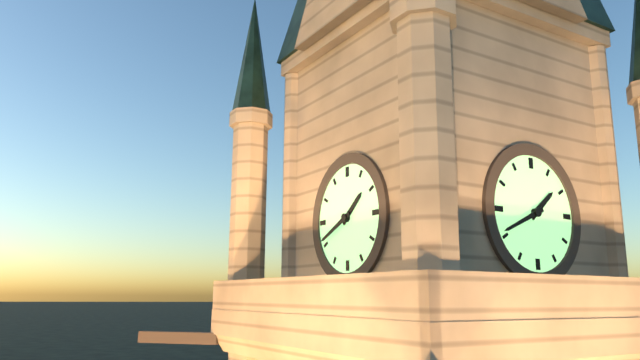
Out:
1.41
